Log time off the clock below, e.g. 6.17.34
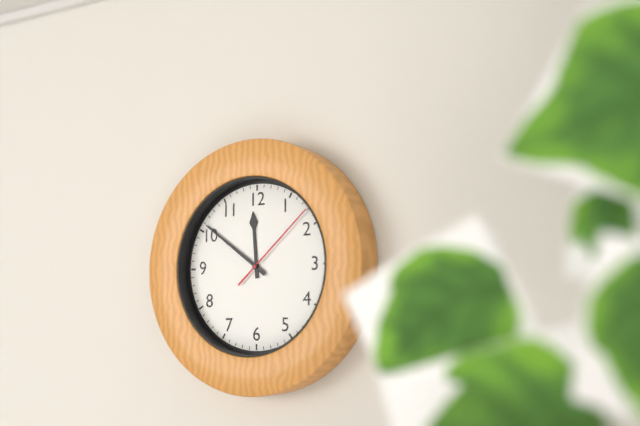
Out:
11.51.08
